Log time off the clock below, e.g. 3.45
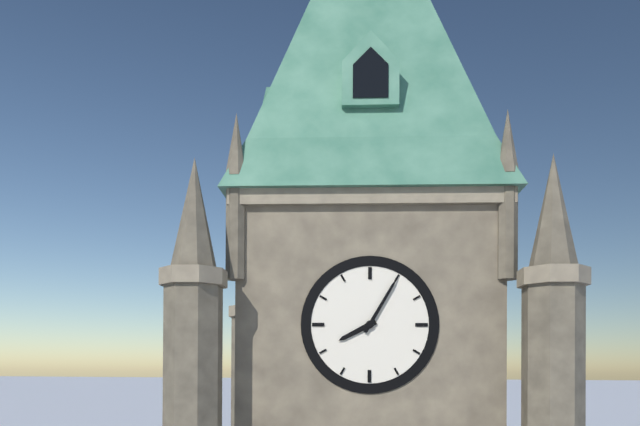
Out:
8.05
